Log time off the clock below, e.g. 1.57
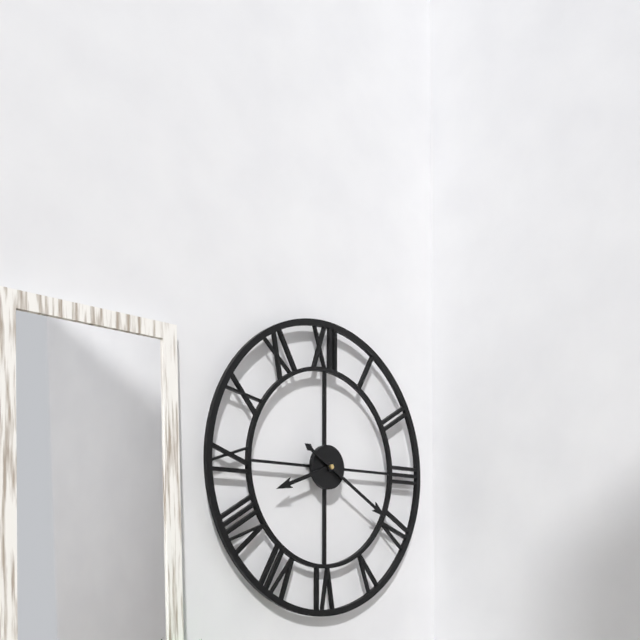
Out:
8.20
